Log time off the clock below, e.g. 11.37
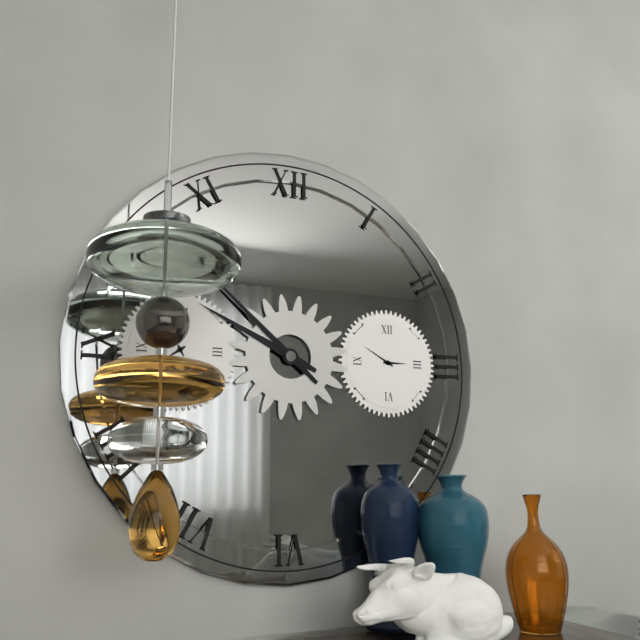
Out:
9.52
